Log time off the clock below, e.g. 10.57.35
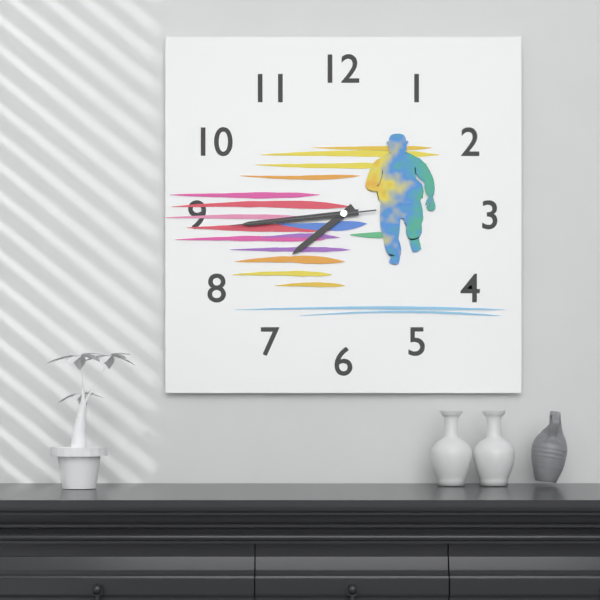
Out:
7.44.44
